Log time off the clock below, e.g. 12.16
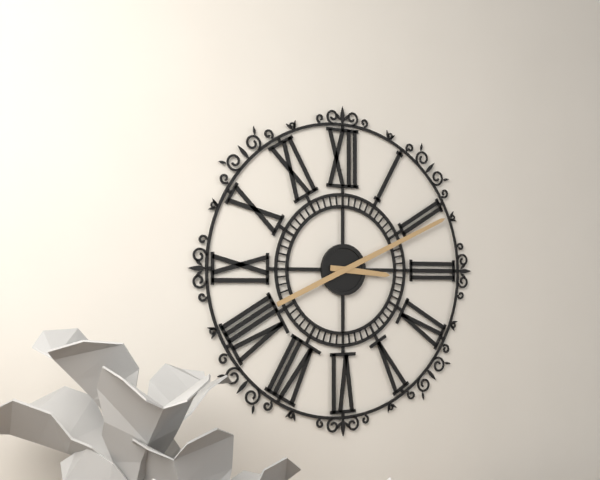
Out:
3.11
